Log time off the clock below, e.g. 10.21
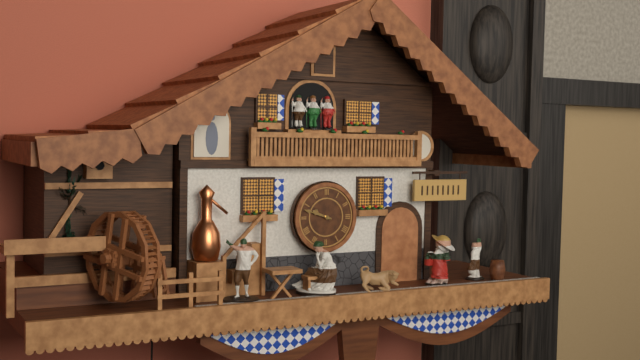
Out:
9.48
